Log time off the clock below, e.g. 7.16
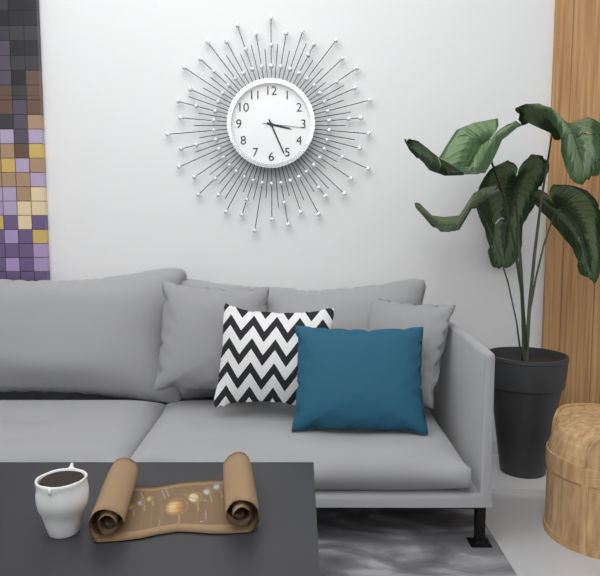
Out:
3.26
